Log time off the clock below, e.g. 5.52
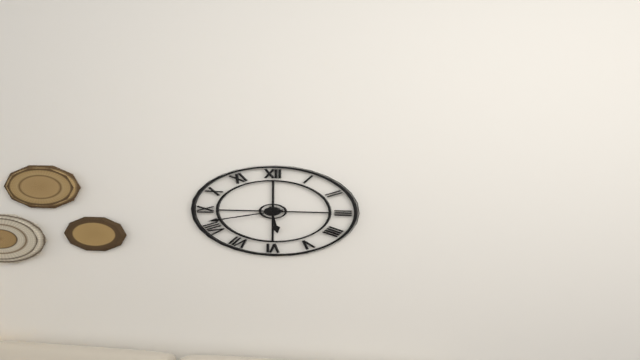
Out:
5.42
